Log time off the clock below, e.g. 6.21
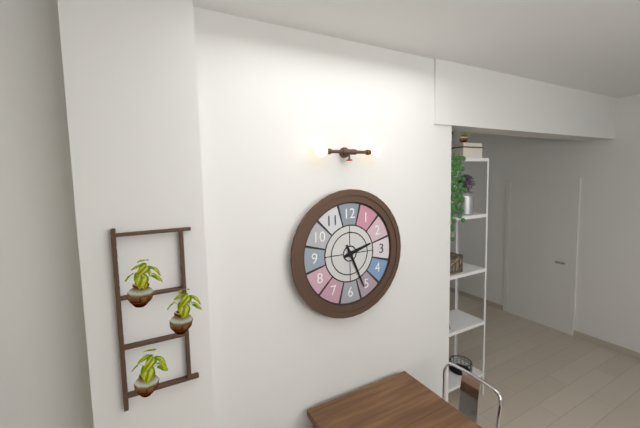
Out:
2.26
